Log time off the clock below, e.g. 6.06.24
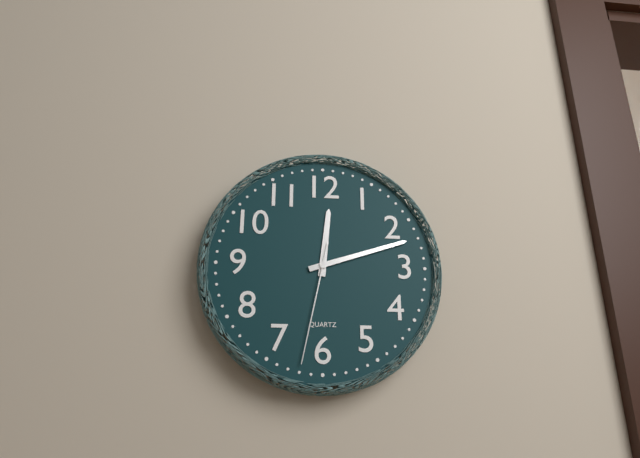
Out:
12.12.32
